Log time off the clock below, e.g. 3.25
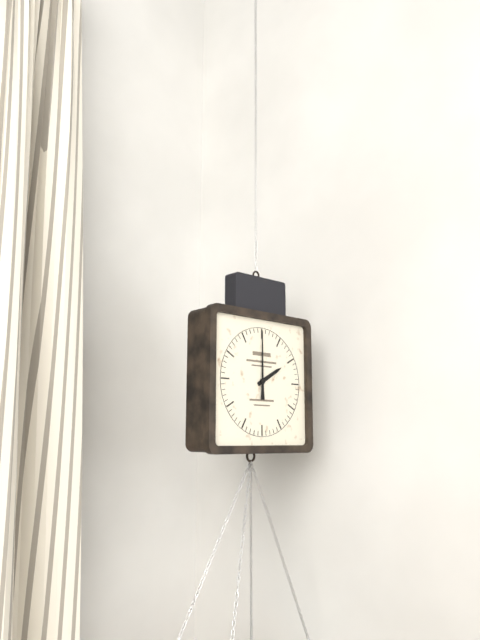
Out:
2.00
